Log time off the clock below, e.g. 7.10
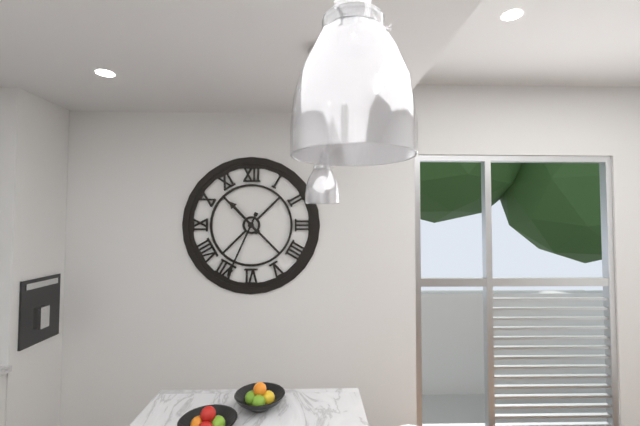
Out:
10.34
